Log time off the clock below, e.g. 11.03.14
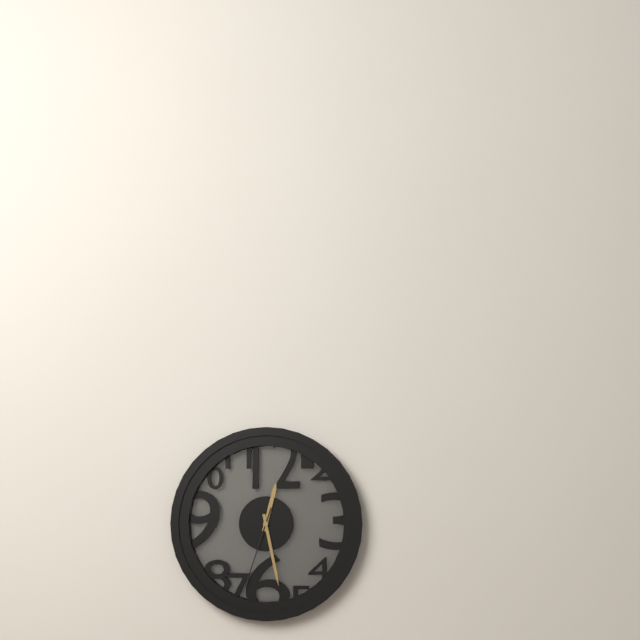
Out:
12.28.33
